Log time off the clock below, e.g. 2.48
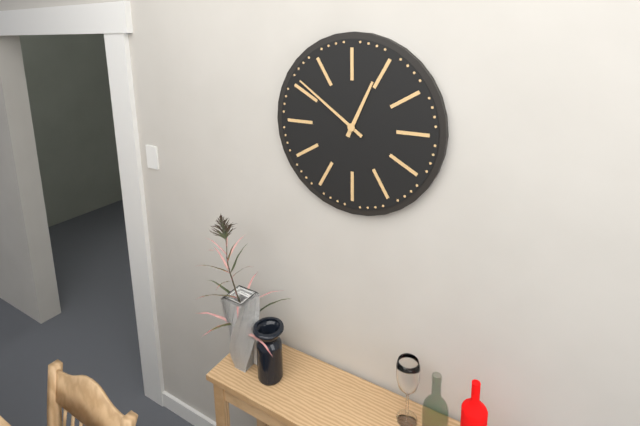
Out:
12.51
